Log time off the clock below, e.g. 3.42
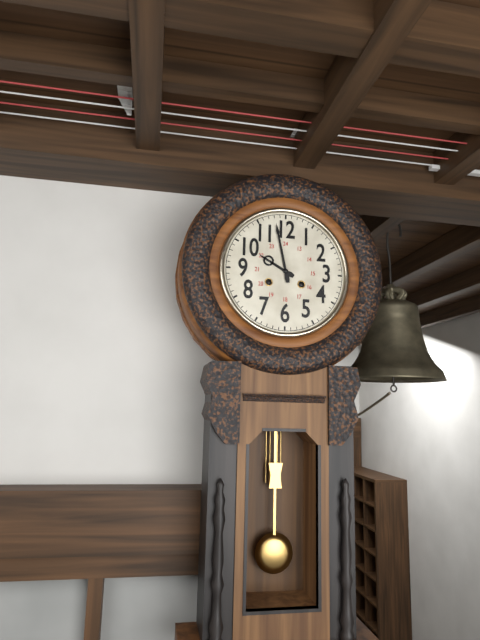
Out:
9.58
